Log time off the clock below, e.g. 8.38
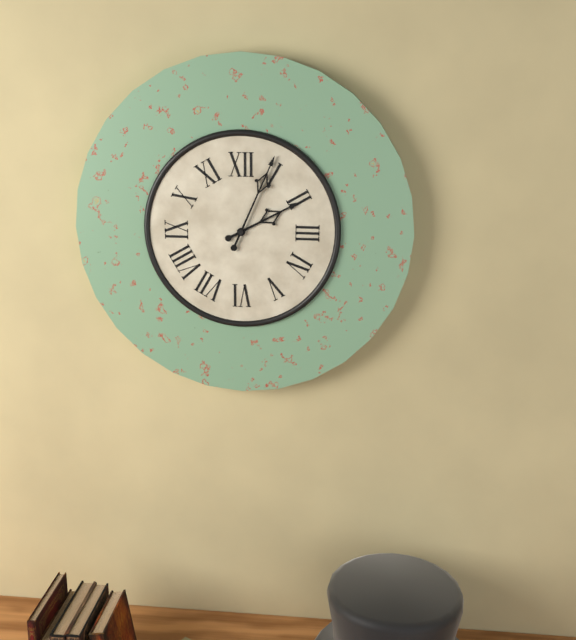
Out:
2.04
